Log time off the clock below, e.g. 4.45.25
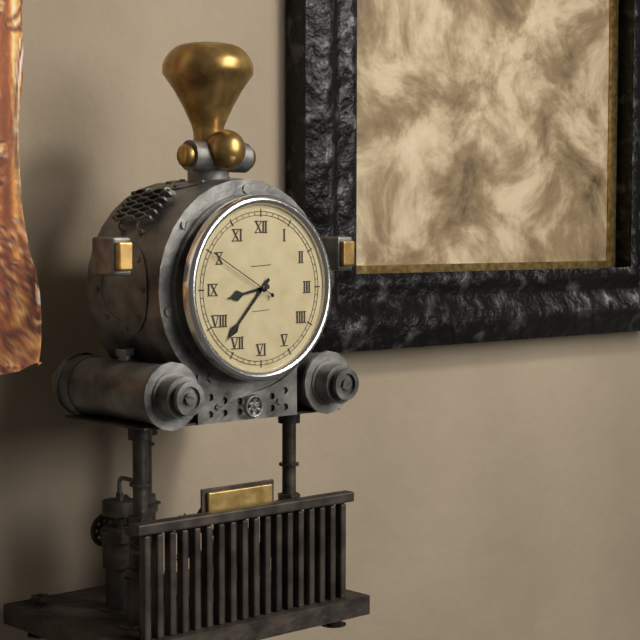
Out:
8.37.50
